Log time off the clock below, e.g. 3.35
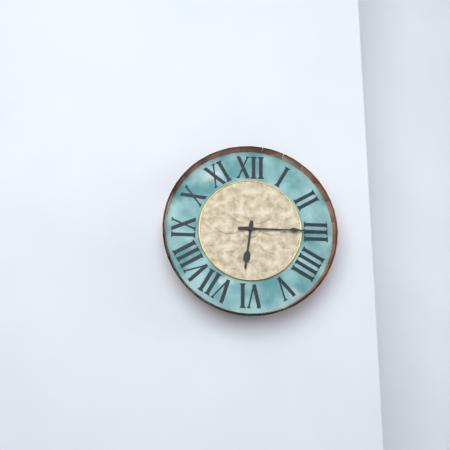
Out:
6.15
